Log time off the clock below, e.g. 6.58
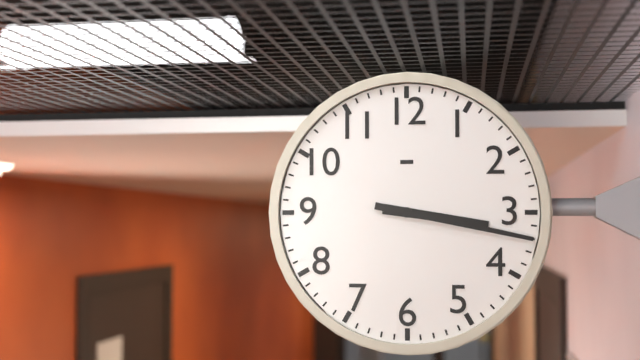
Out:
3.17
